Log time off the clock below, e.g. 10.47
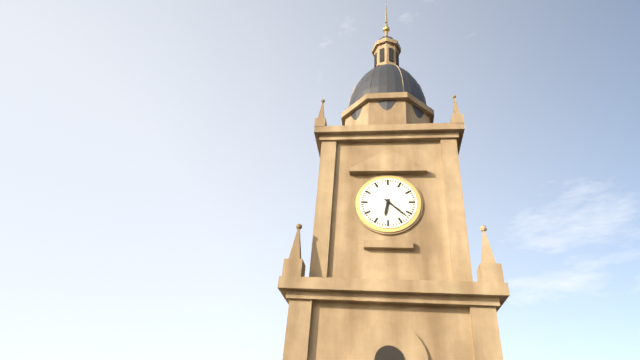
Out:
6.22
